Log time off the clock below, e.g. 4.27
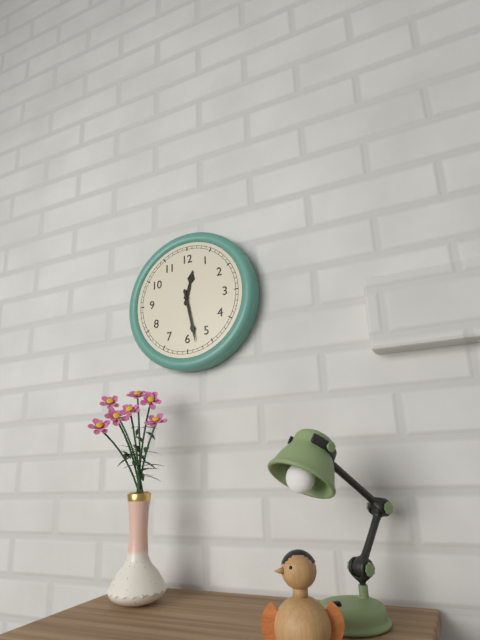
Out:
12.28
